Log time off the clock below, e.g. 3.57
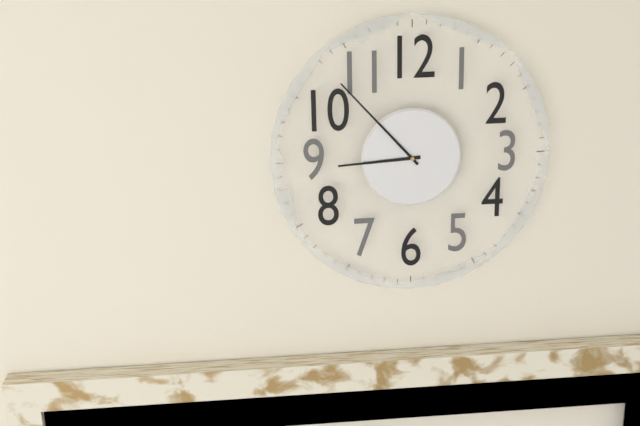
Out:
8.53
